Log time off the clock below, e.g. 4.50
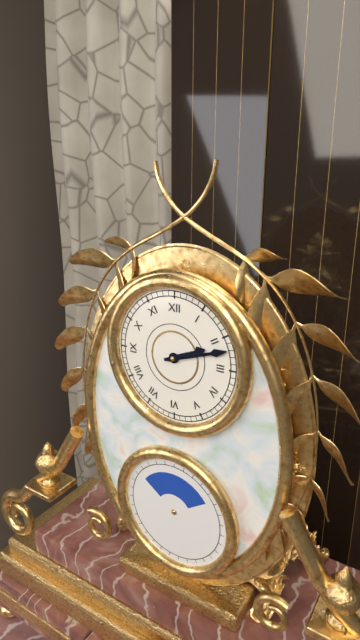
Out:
2.12
